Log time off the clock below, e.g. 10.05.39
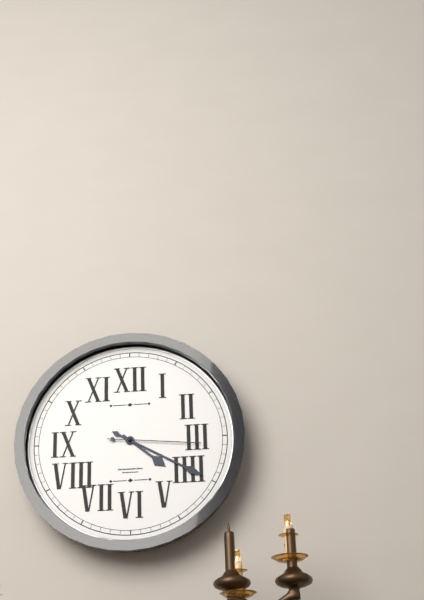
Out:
4.20.16
